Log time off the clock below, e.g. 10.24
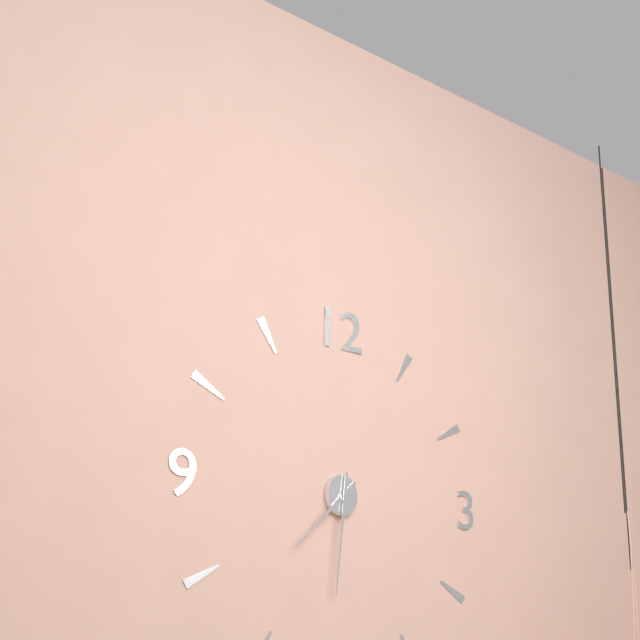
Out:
7.31
